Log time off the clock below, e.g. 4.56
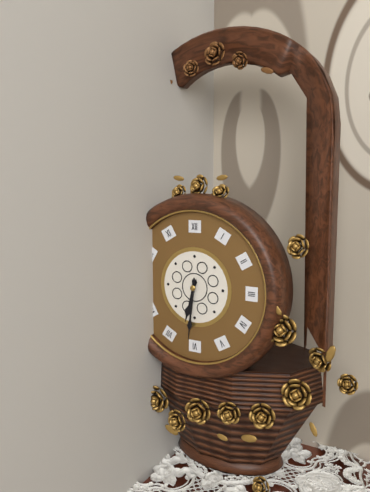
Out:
6.31
